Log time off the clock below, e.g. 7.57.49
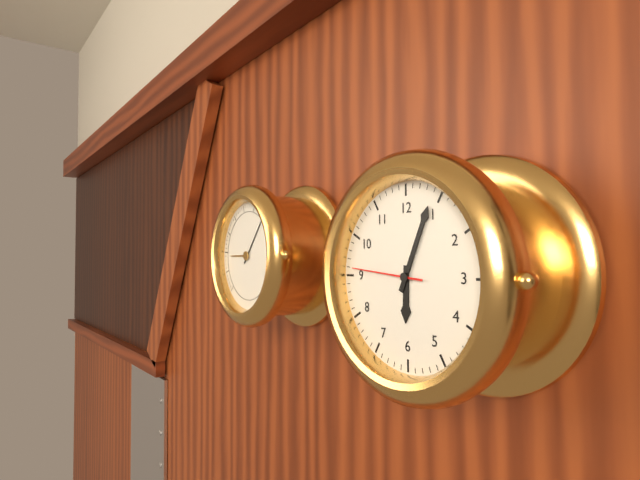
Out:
6.04.46
